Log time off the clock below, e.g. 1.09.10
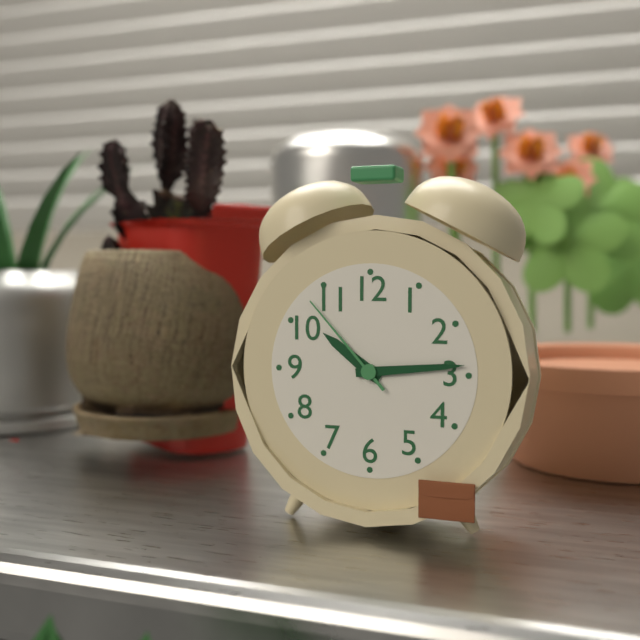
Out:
10.14.53
